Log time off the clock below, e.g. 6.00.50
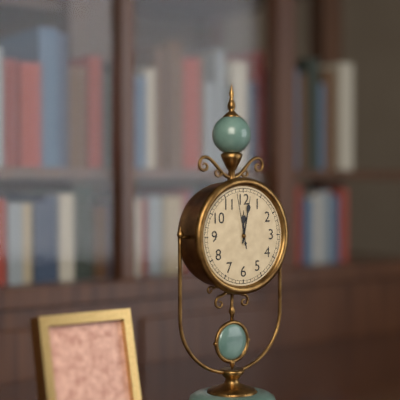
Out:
12.02.58
